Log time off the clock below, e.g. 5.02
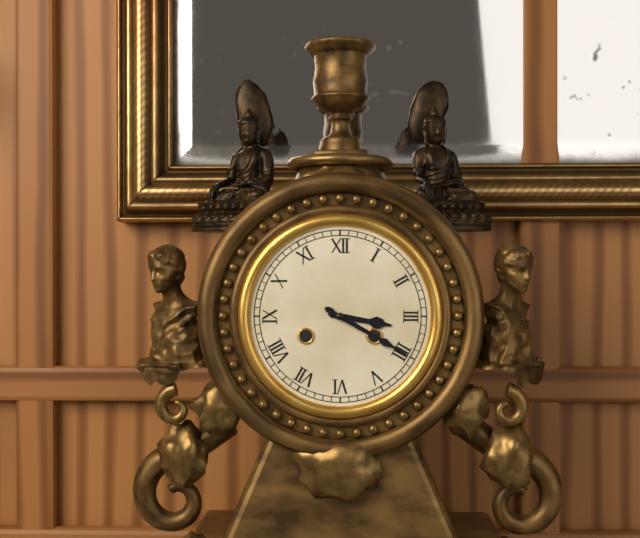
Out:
3.20
